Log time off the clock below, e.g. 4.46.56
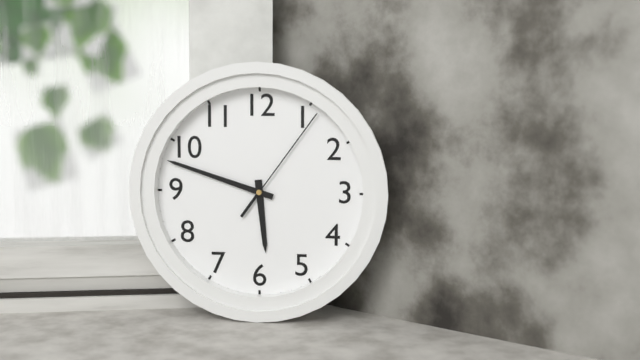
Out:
5.48.06
